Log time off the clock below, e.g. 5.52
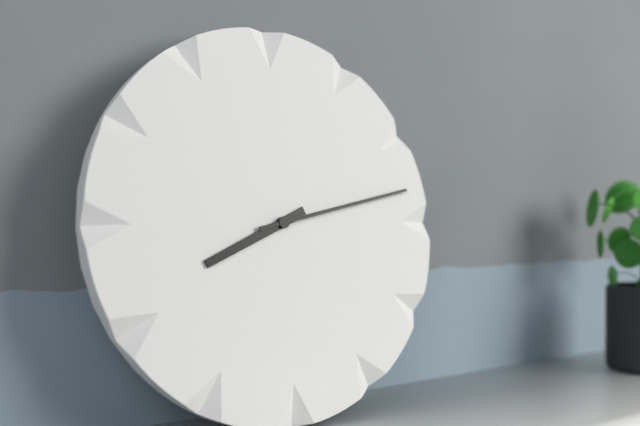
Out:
8.13
